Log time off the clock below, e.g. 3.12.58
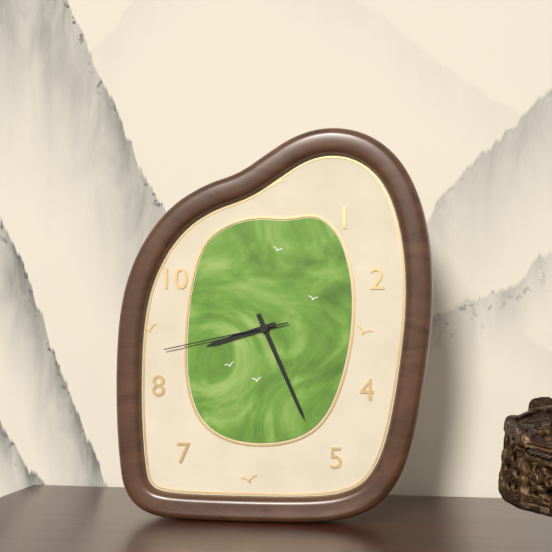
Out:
8.26.43
